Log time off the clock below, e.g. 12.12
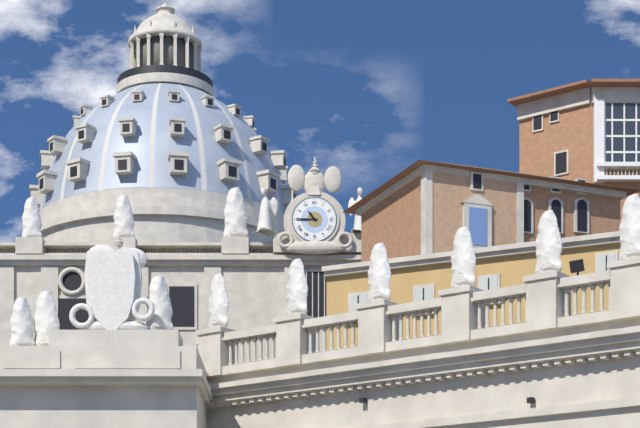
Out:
10.45
